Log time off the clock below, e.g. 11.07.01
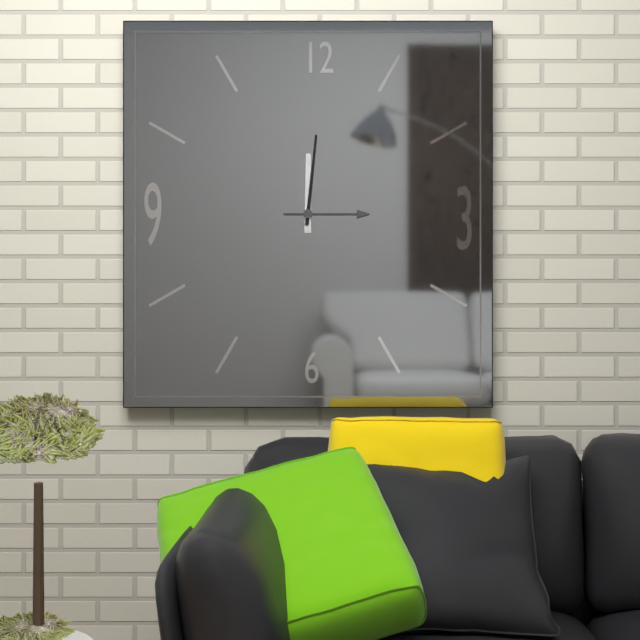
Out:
12.01.15
